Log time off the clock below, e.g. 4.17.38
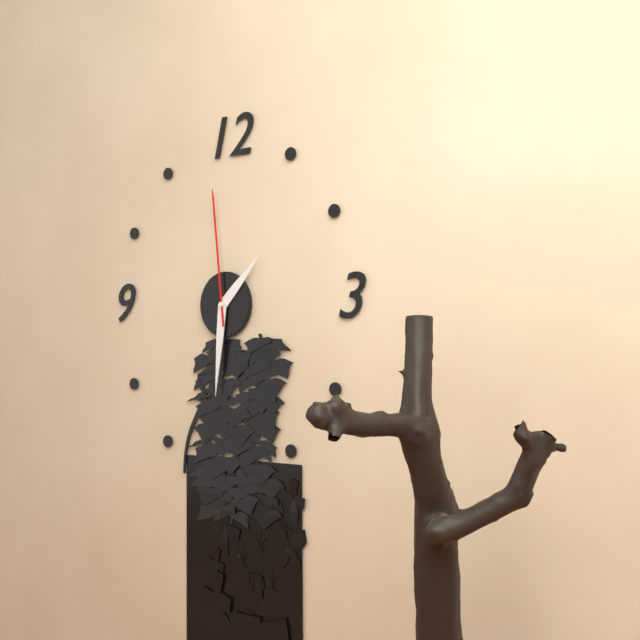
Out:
1.31.59
